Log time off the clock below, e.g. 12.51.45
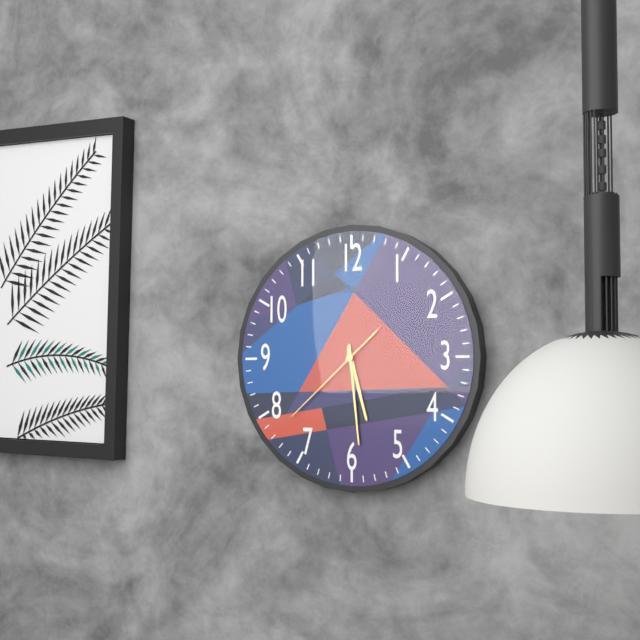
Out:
5.29.38
